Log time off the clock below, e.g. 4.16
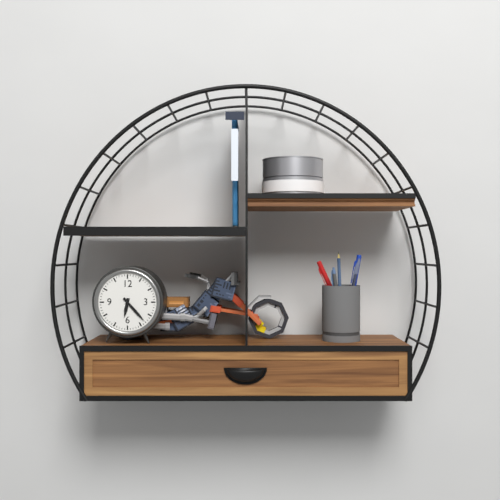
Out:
6.23
